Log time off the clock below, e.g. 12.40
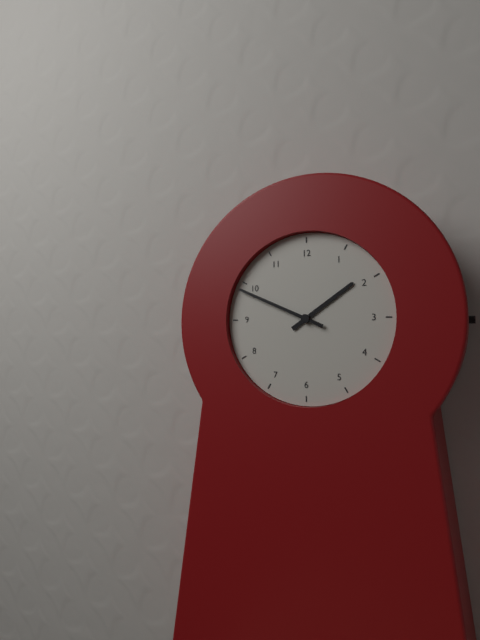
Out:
1.49
